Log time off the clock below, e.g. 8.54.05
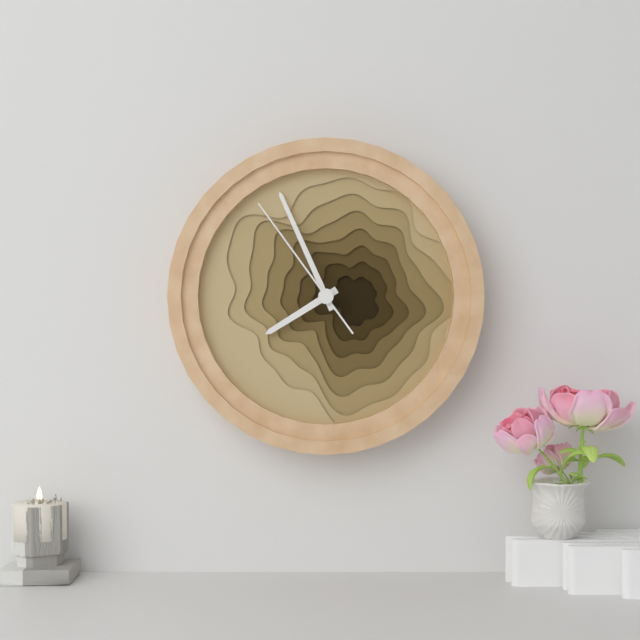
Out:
7.56.54
